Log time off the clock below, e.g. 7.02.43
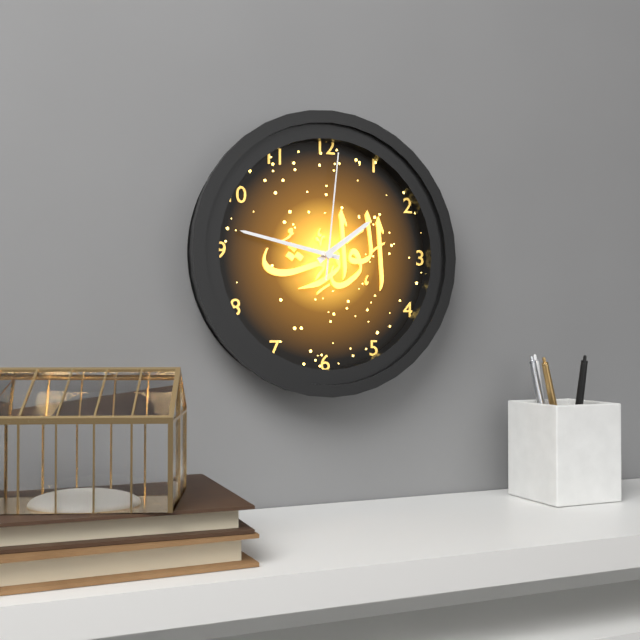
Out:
1.47.01
